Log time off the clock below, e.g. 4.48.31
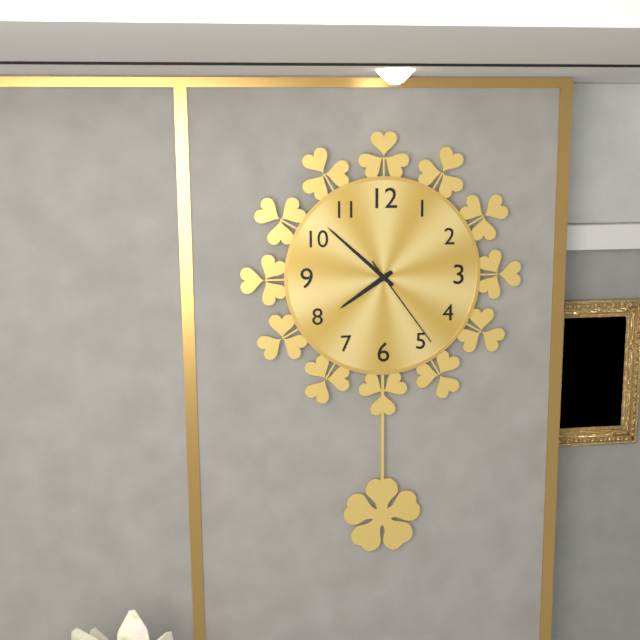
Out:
7.52.24
